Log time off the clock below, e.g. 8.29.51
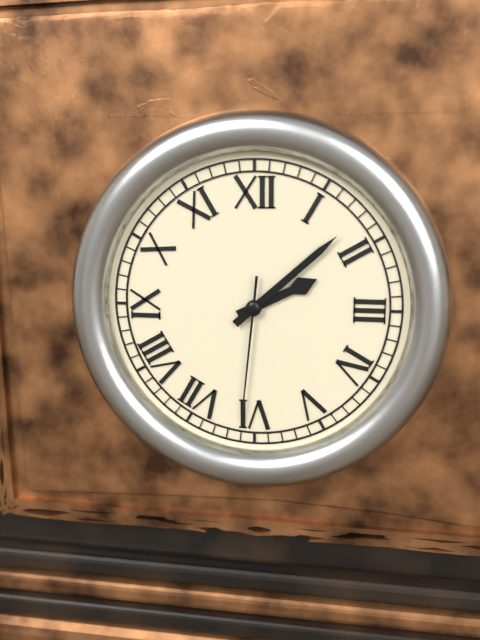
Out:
2.08.31
